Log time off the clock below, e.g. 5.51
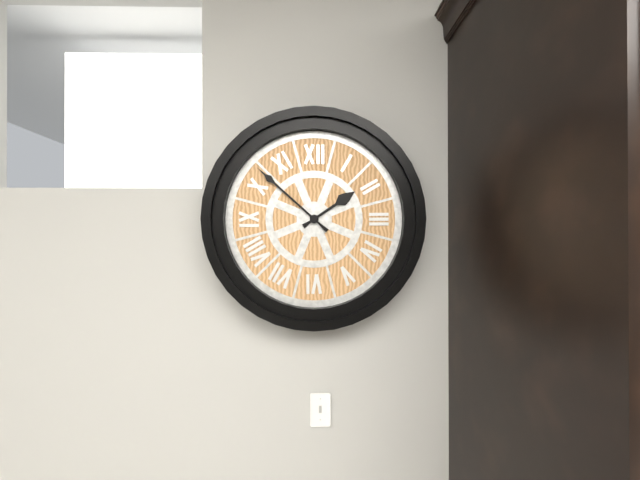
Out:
1.52
